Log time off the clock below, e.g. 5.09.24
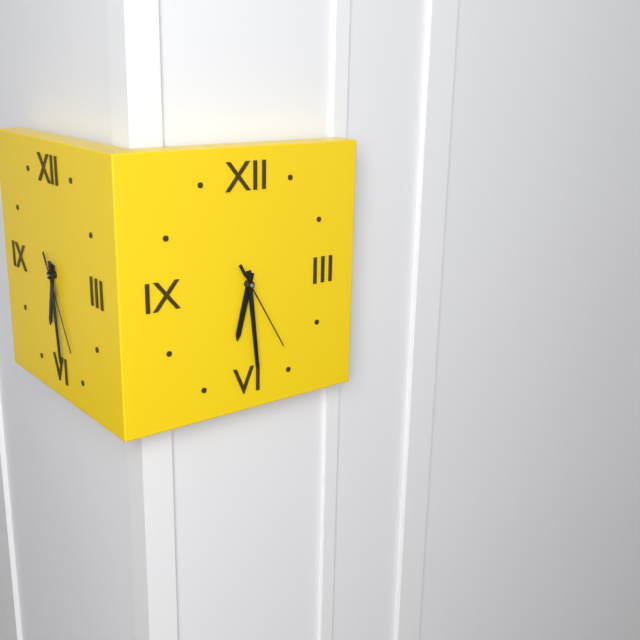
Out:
6.29.25
